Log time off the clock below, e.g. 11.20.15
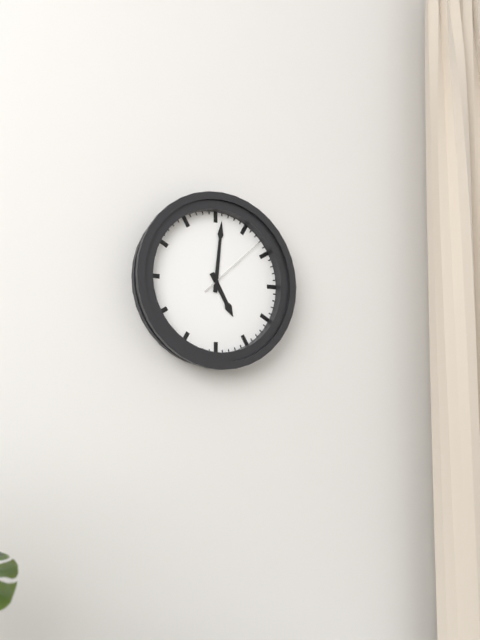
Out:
5.01.08
